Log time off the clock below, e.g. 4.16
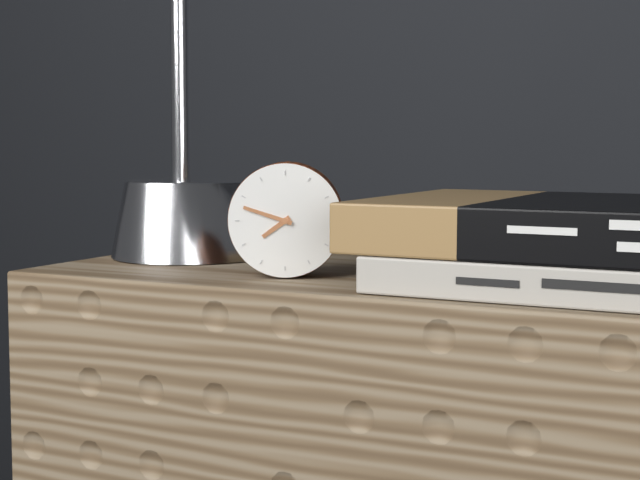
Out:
7.48
